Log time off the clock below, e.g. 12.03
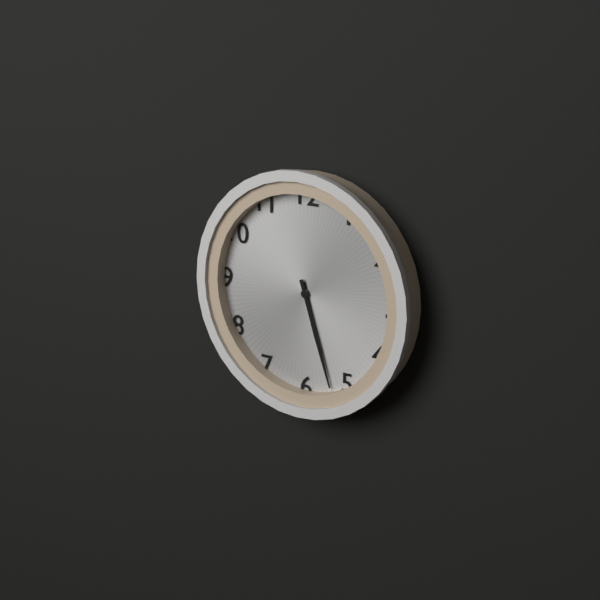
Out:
5.27
